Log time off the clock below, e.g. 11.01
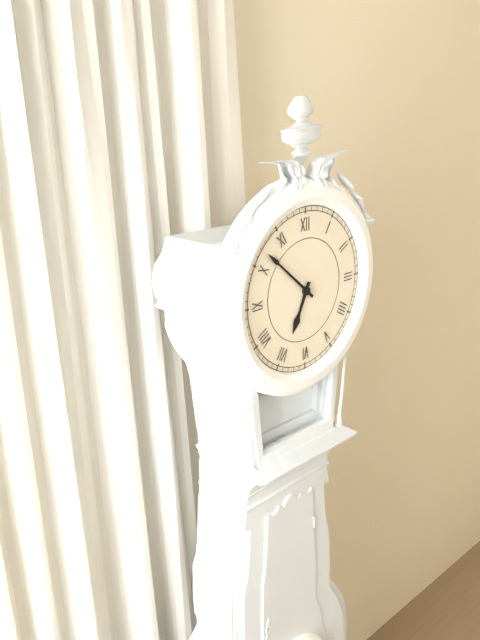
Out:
6.52
